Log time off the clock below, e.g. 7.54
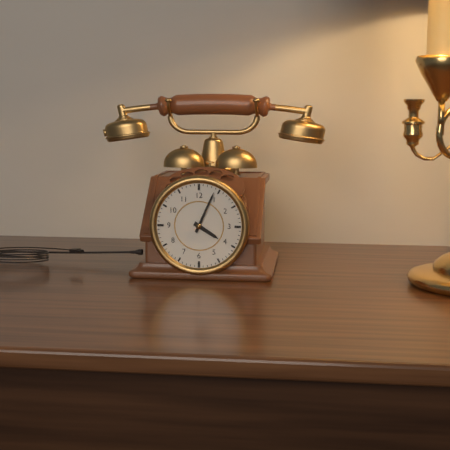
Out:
4.04
